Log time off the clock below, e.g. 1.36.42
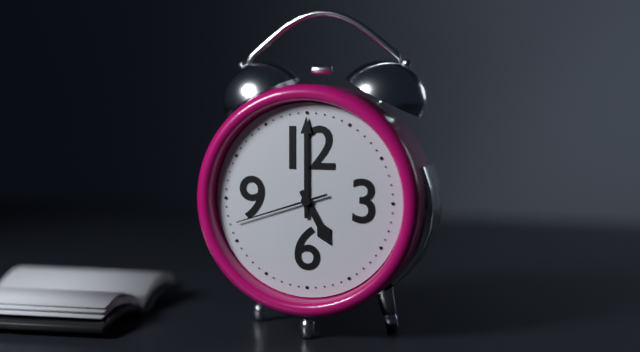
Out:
5.00.42
